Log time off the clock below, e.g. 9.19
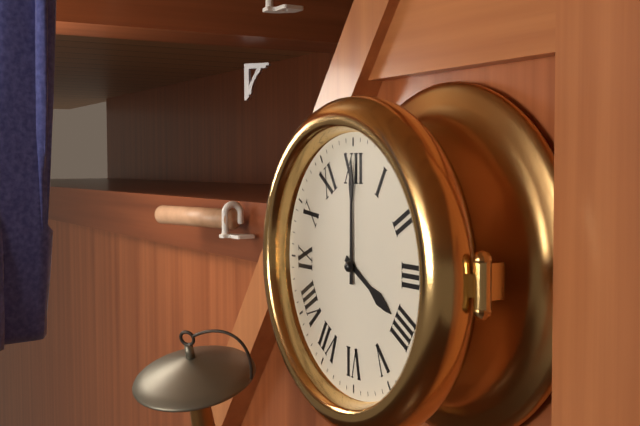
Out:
4.00
